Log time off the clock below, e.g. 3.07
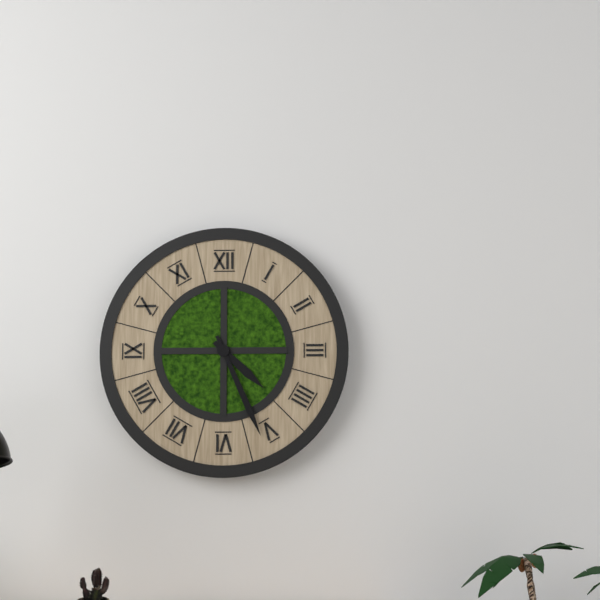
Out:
4.26
